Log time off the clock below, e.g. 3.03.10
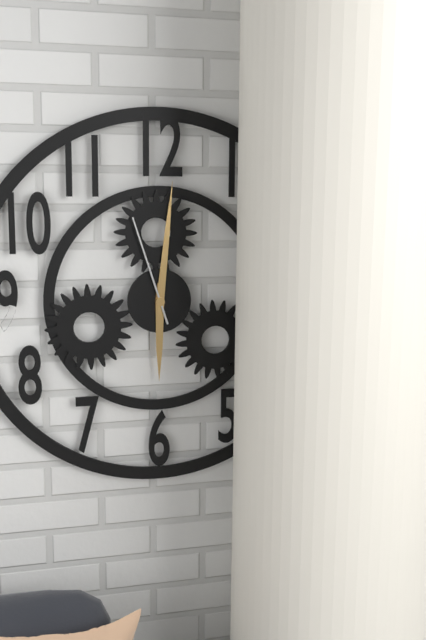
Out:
6.01.57
